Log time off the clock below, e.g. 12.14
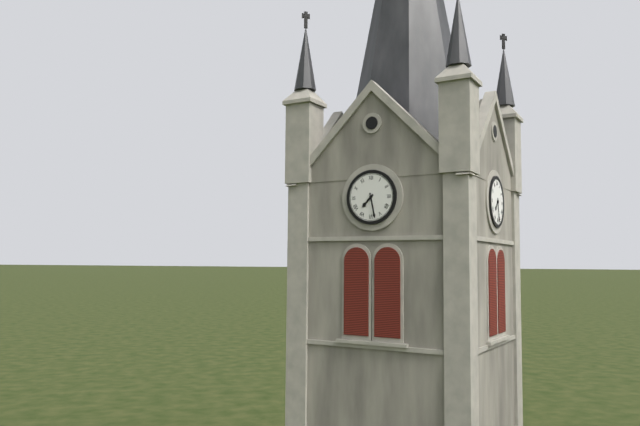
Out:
7.28
